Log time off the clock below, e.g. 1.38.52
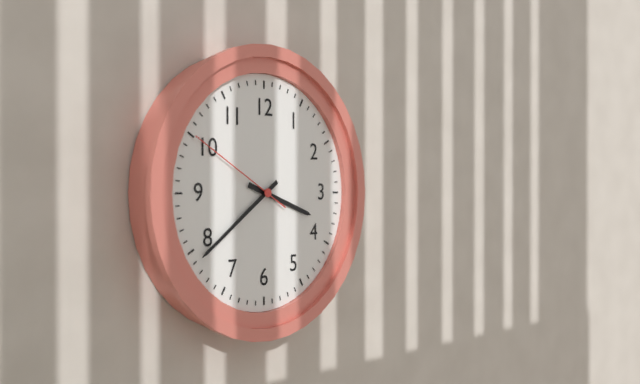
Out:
3.39.50
